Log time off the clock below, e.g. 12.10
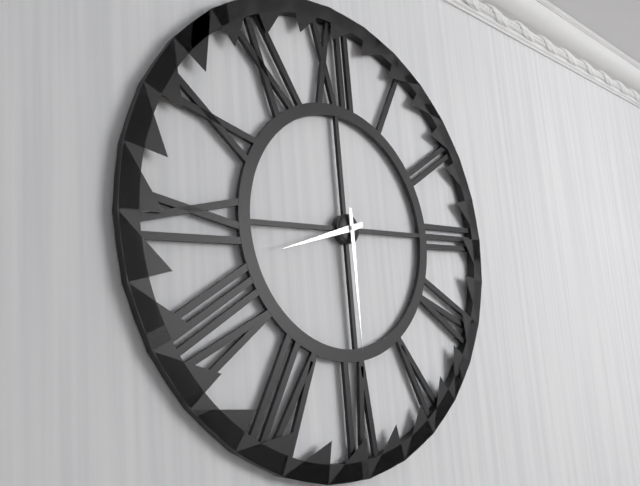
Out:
8.30
